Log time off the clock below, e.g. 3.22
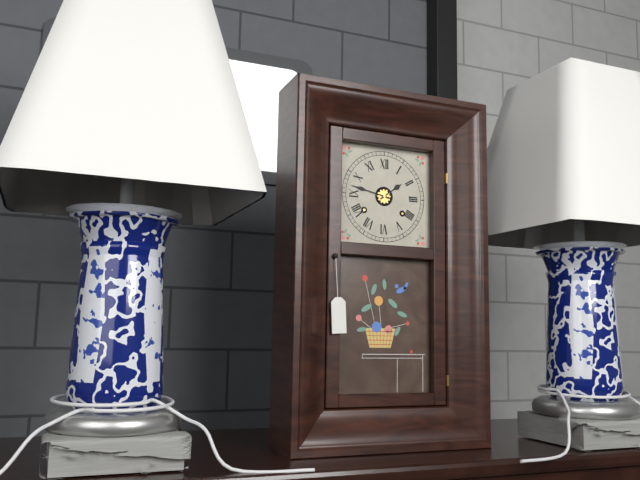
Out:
1.47
